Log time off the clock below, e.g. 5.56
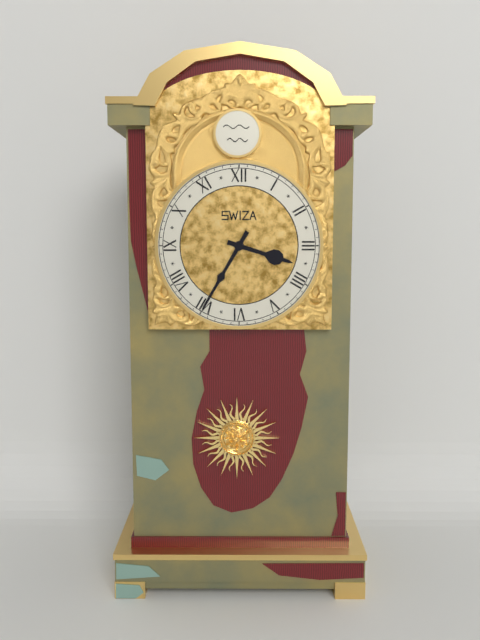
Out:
3.35
